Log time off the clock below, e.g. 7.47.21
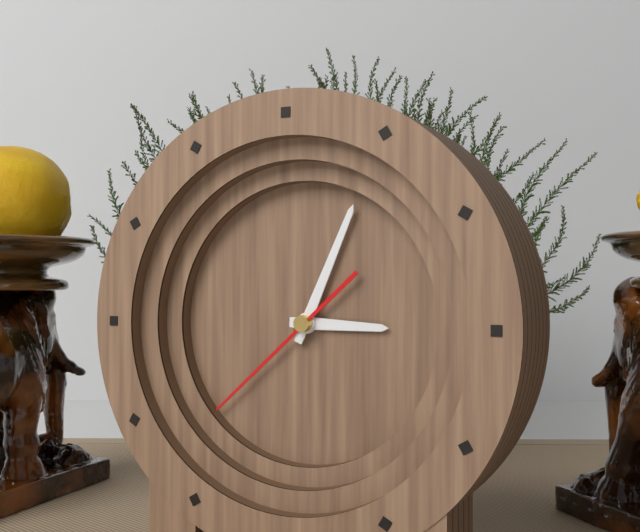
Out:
3.04.38
